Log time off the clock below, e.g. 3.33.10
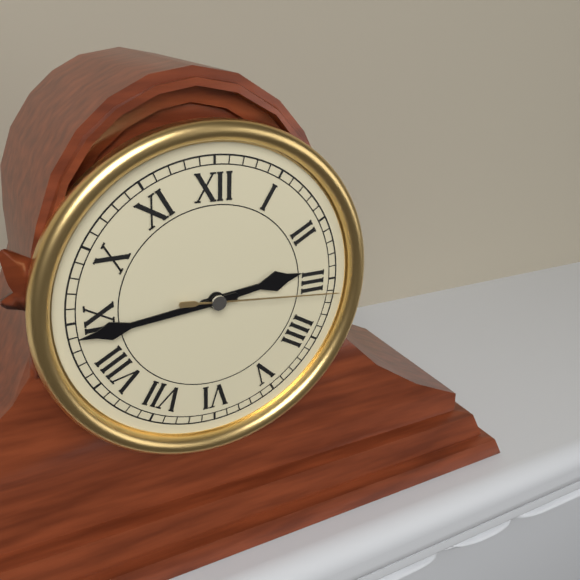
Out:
2.44.16
